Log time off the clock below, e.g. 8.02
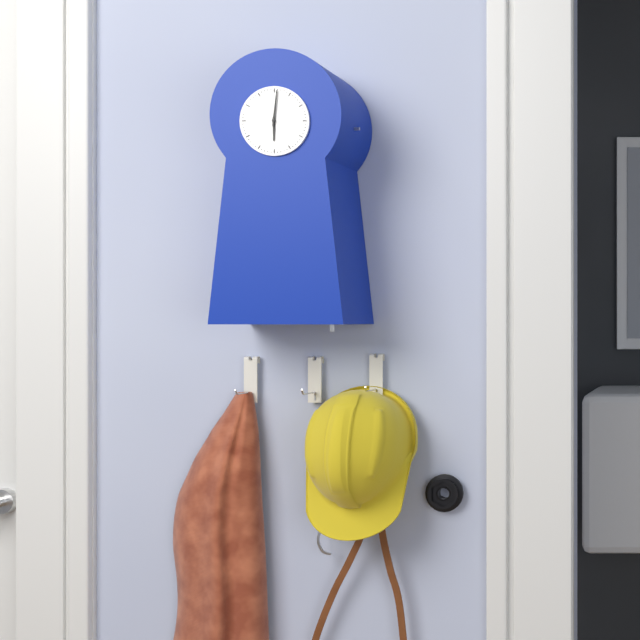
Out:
6.01
